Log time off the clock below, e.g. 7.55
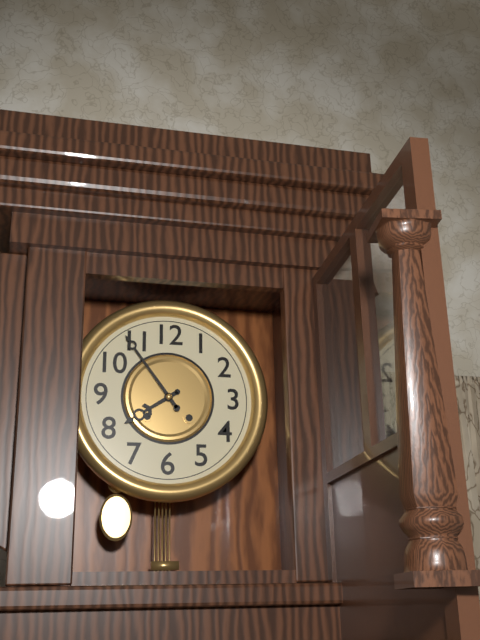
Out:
7.54
